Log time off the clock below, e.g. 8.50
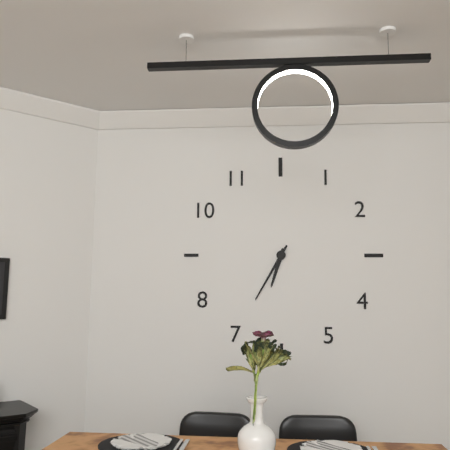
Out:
6.35
